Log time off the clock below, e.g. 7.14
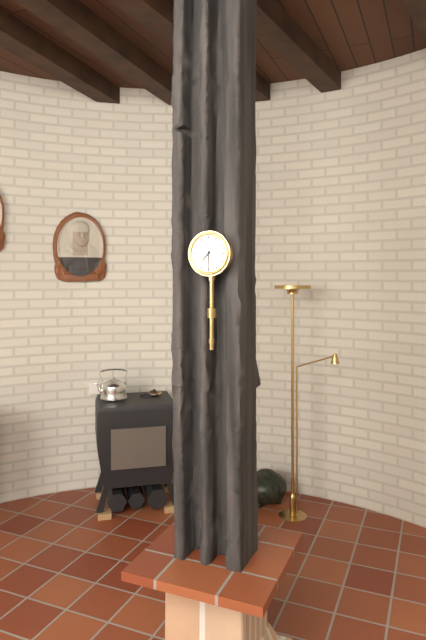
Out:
7.30
